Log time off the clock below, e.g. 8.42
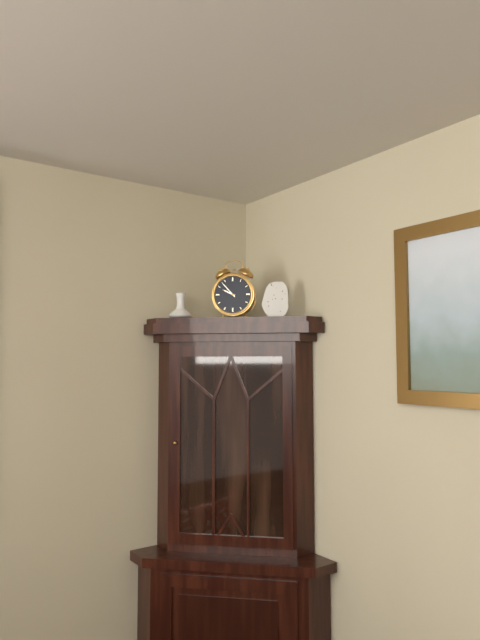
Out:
9.53
